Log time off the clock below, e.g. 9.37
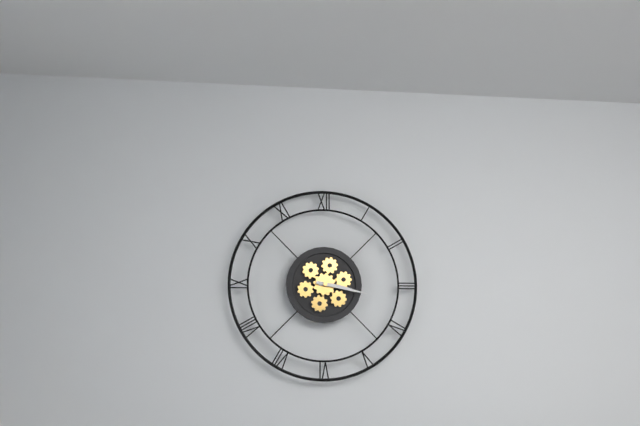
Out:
3.17
